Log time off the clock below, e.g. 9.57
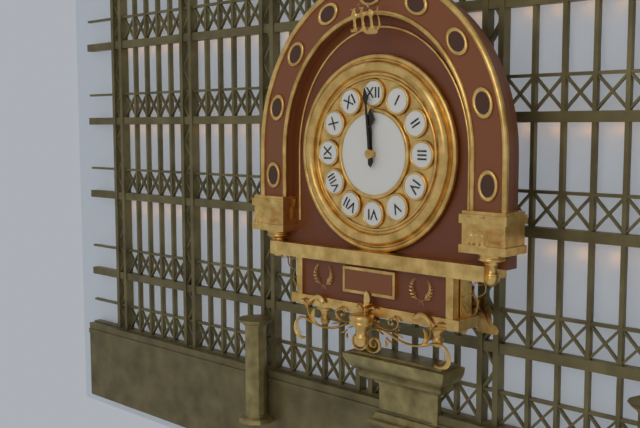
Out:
11.59
